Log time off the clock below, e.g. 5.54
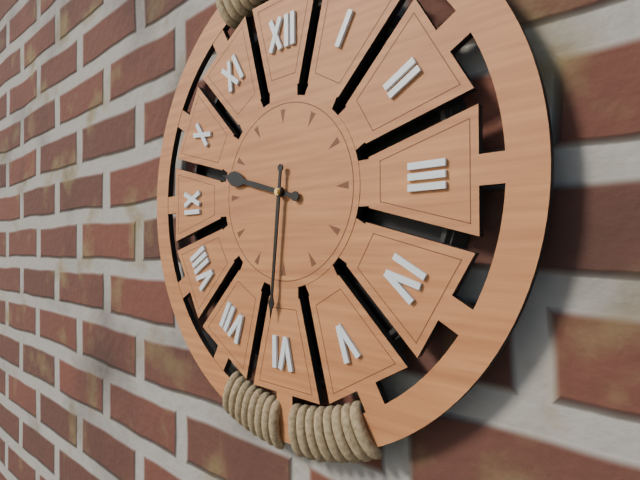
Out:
9.31
